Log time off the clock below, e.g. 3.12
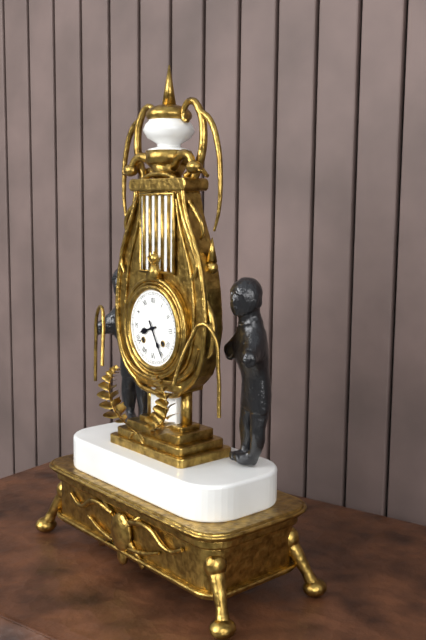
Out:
8.25
